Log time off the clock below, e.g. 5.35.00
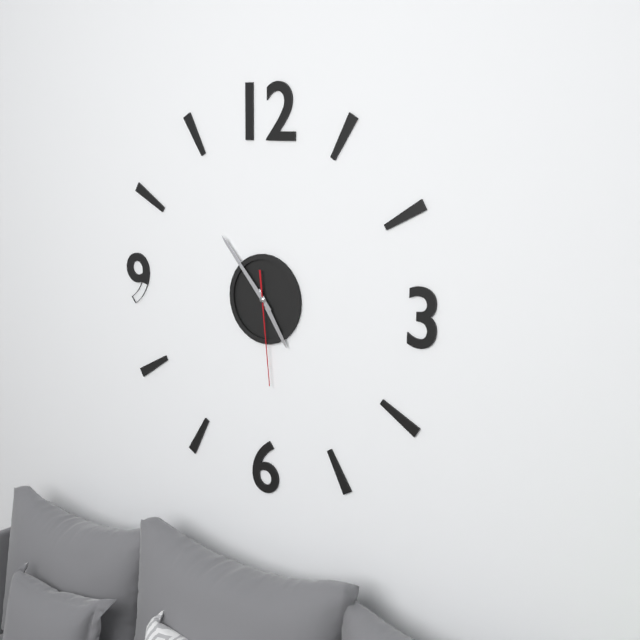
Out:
4.53.29
